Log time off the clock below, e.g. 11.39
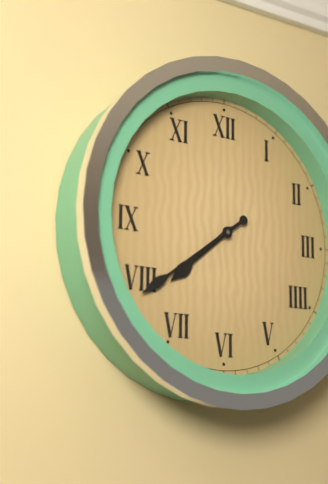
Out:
7.39
